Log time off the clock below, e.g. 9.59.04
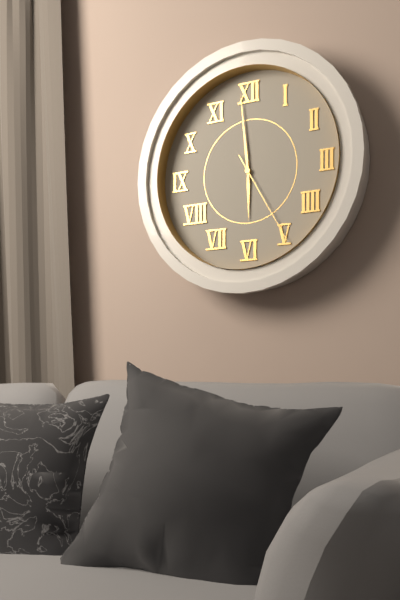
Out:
5.59.25
